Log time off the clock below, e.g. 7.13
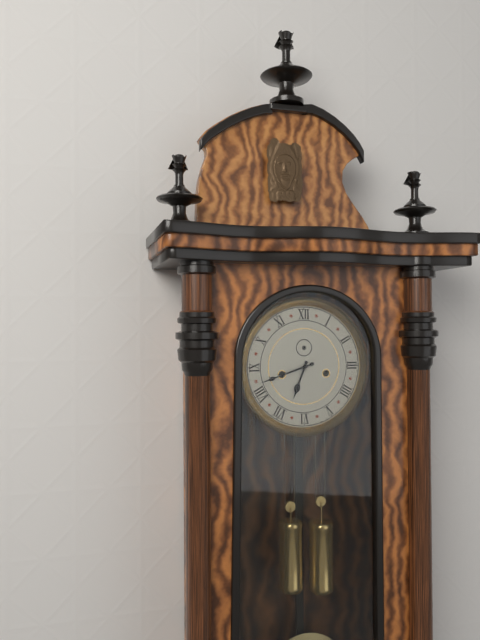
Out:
6.42
